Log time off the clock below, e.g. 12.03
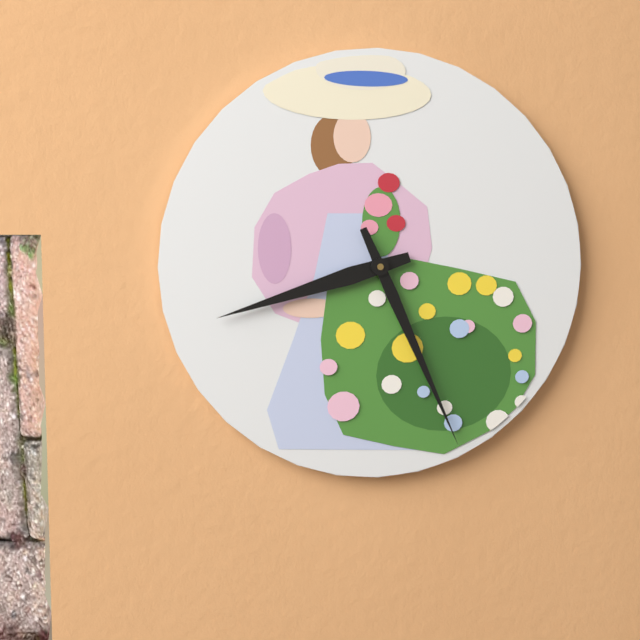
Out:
8.26
